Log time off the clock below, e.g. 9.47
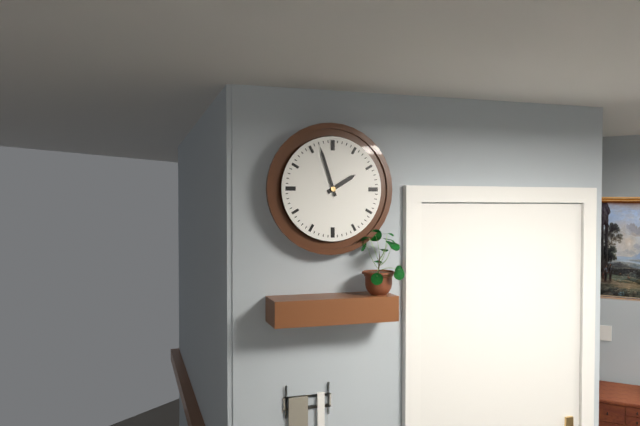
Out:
1.57
